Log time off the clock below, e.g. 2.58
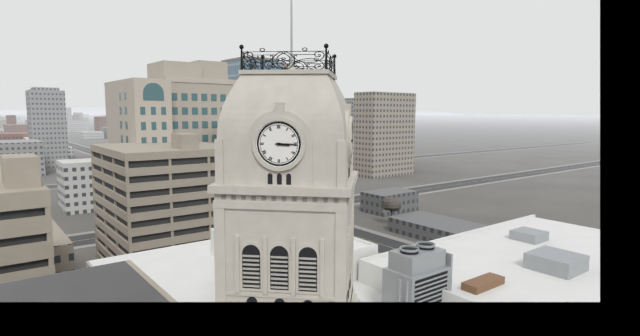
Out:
3.15
